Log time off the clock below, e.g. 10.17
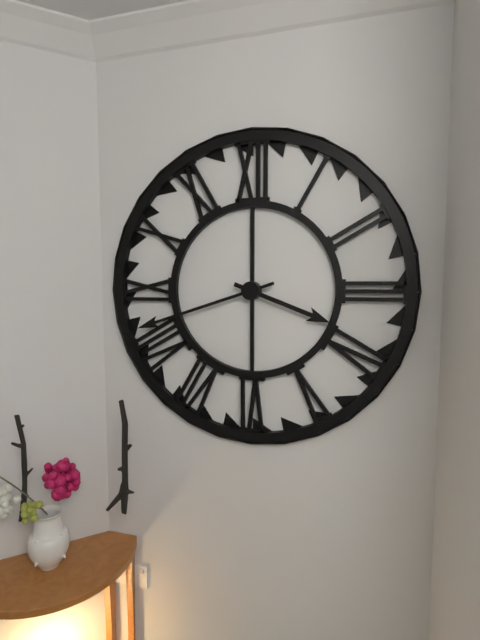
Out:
3.42
